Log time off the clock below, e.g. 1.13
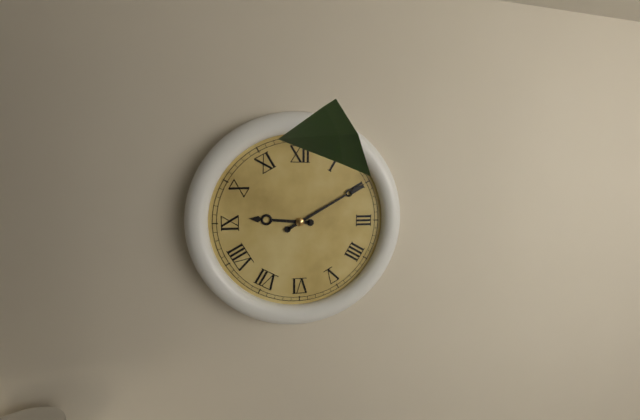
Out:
9.10
